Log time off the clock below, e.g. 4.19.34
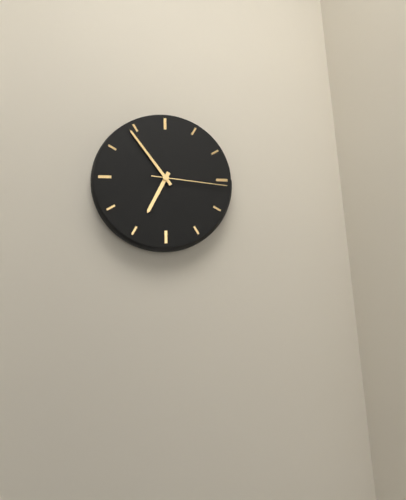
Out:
6.54.16
